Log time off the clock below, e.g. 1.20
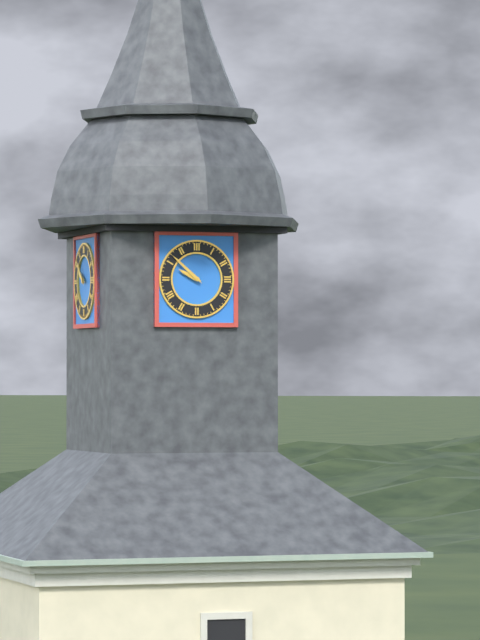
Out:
9.52
